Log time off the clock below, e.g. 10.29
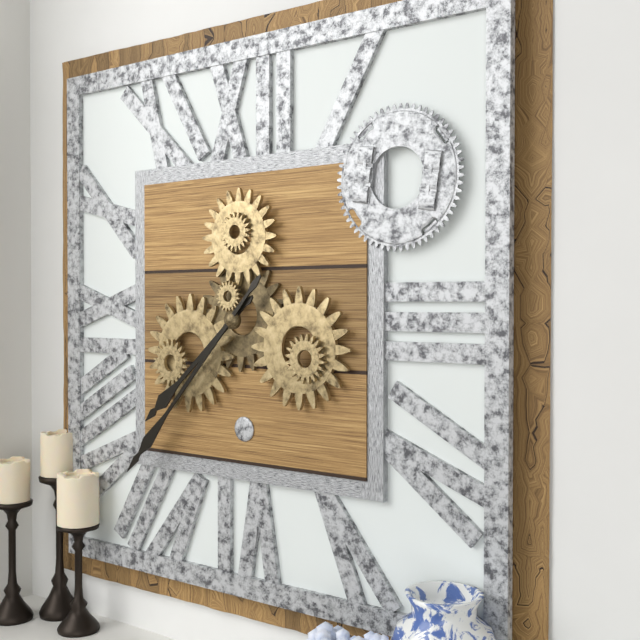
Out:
7.37
